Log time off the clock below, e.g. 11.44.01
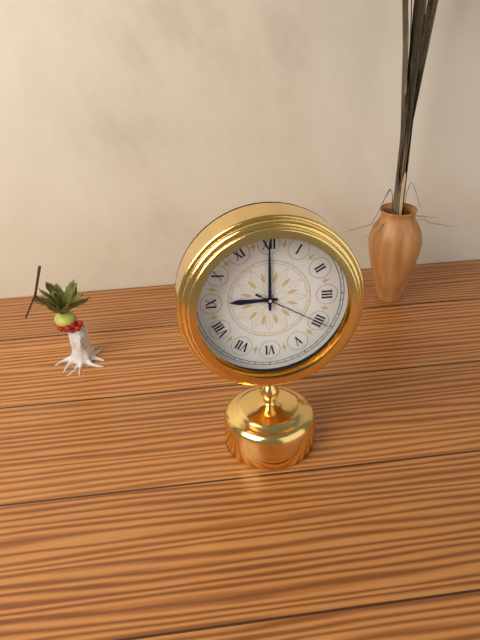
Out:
9.00.20
